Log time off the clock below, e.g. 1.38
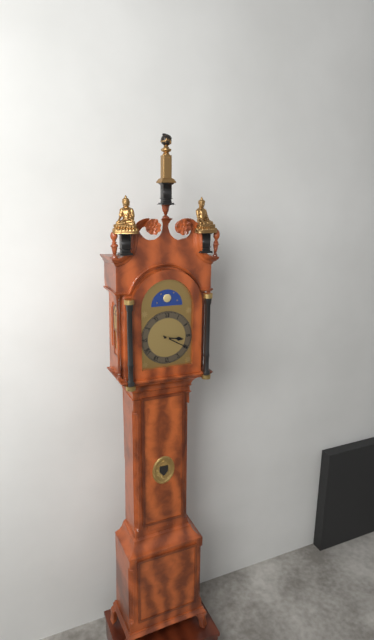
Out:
3.20
